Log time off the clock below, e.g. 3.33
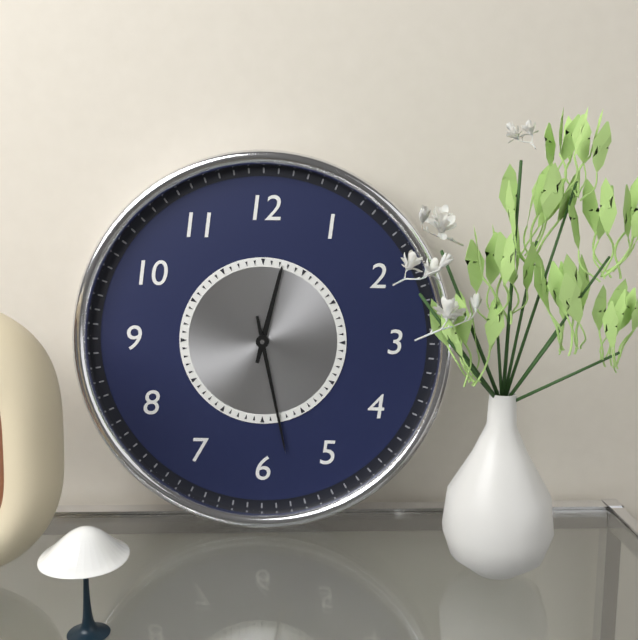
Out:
12.28
